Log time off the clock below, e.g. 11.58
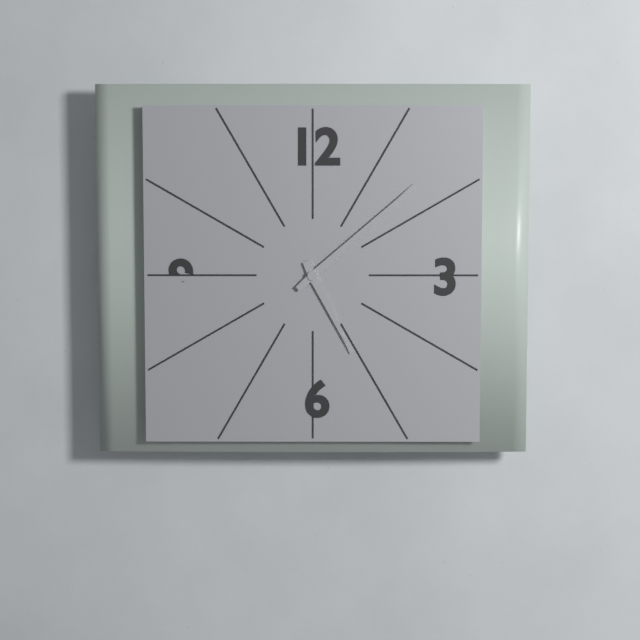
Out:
5.08
